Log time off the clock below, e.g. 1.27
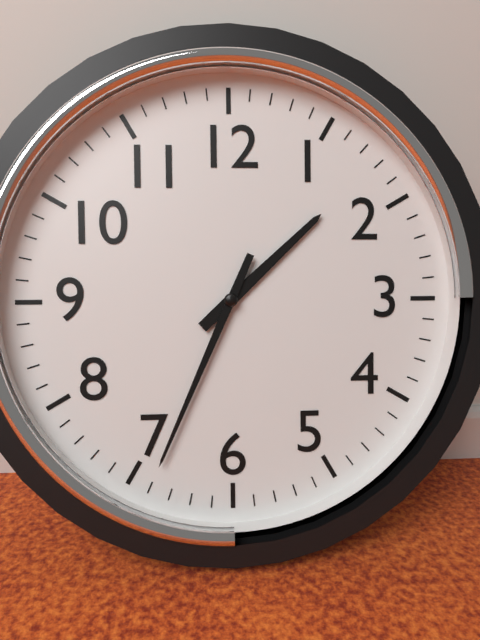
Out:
1.34
